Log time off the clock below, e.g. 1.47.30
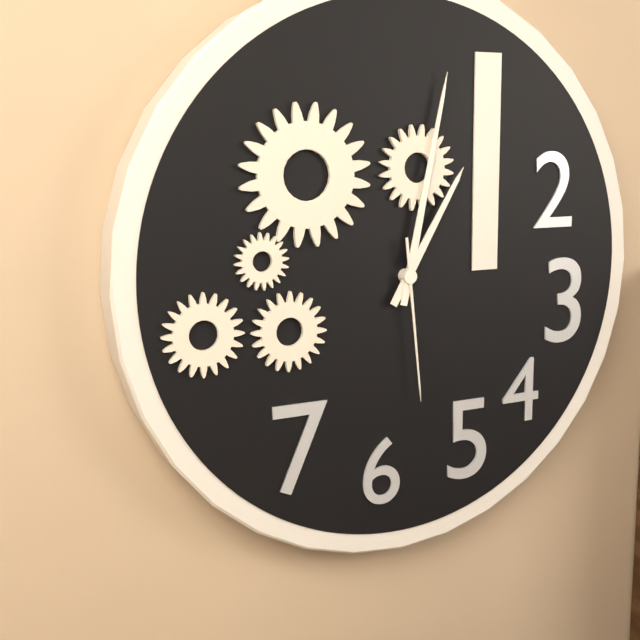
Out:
1.02.29
